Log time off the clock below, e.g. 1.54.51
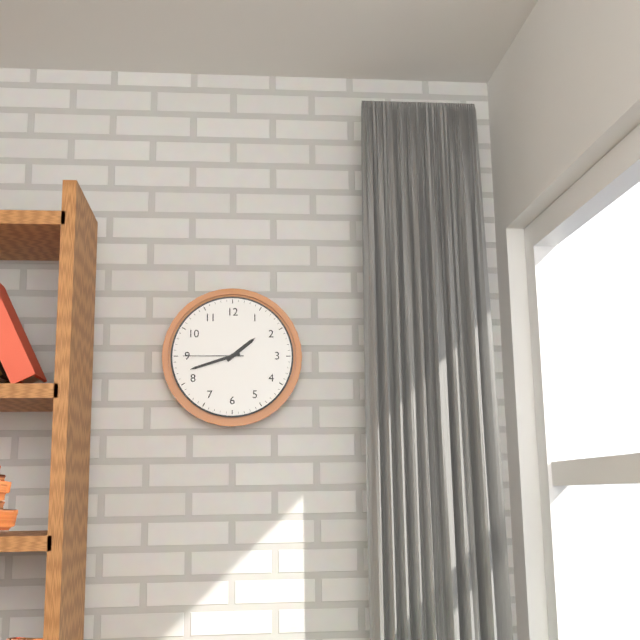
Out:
1.42.45
